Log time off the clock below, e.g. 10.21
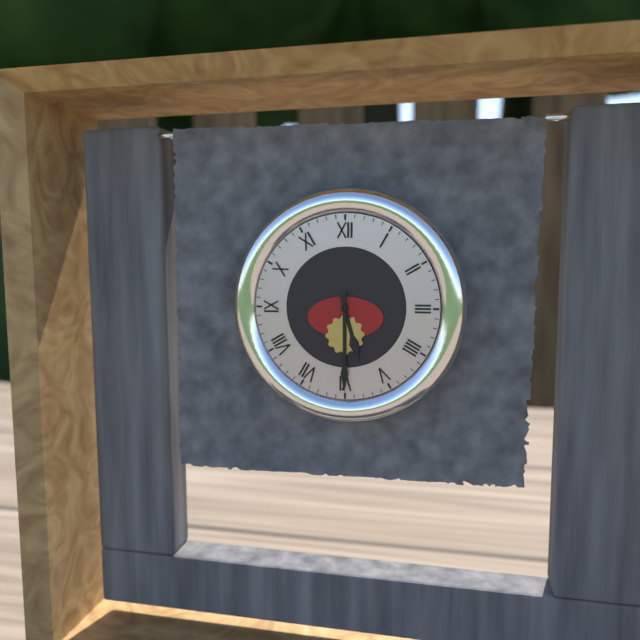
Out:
5.30
